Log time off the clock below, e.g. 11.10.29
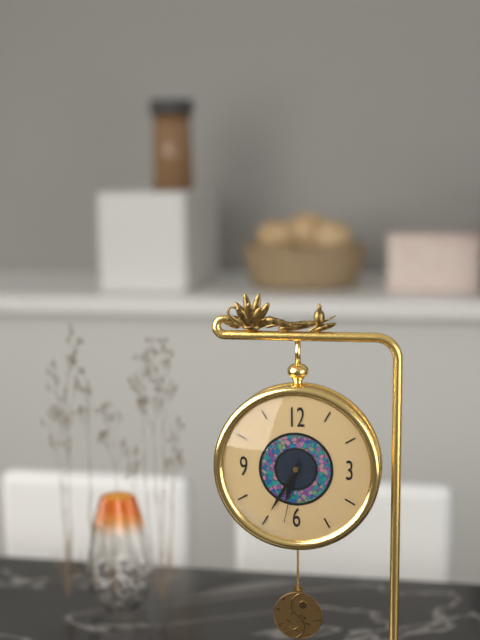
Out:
6.35.32
